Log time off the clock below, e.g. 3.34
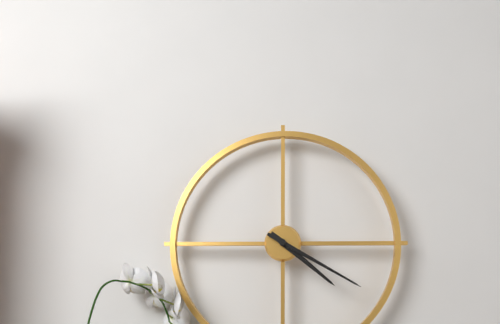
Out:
4.20
